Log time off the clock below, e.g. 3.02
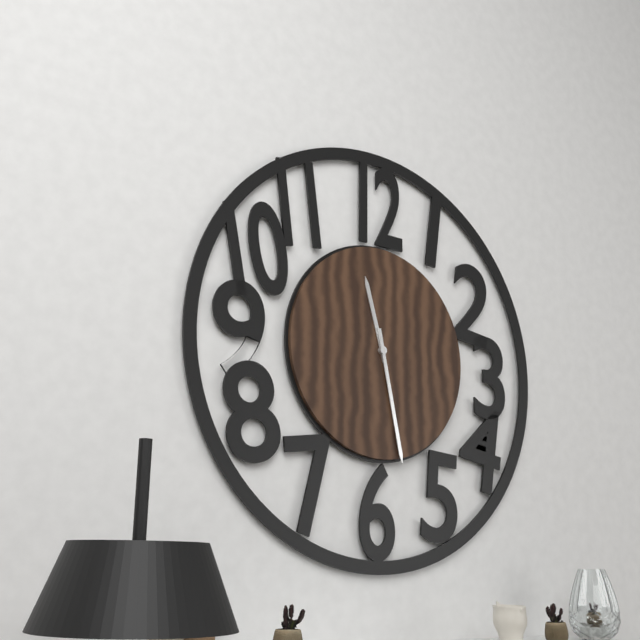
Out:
11.28
